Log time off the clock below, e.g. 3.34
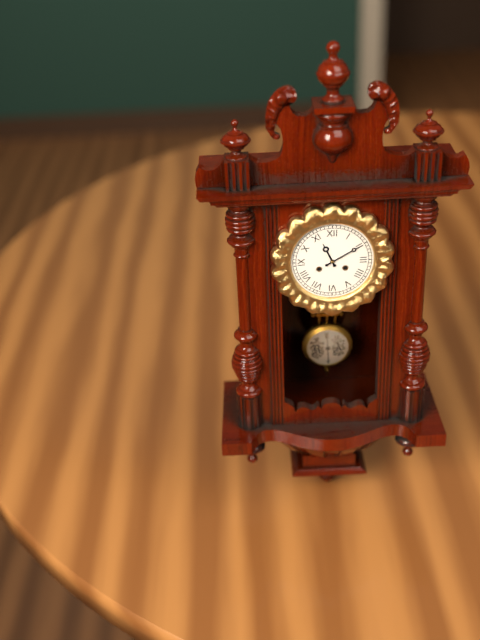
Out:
11.10
